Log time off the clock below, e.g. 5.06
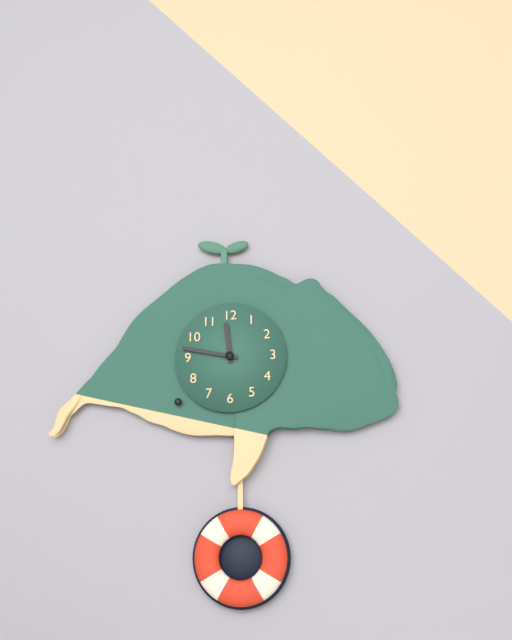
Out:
11.47
